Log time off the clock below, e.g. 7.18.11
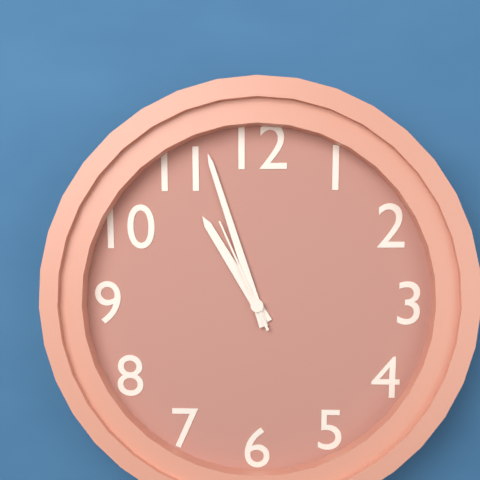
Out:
10.57.56
